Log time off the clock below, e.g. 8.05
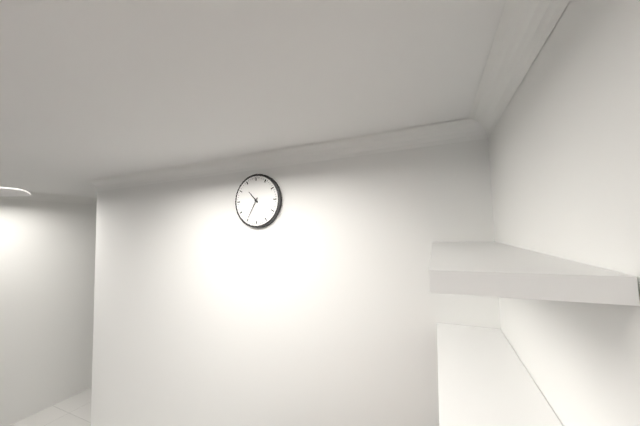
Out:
10.35
